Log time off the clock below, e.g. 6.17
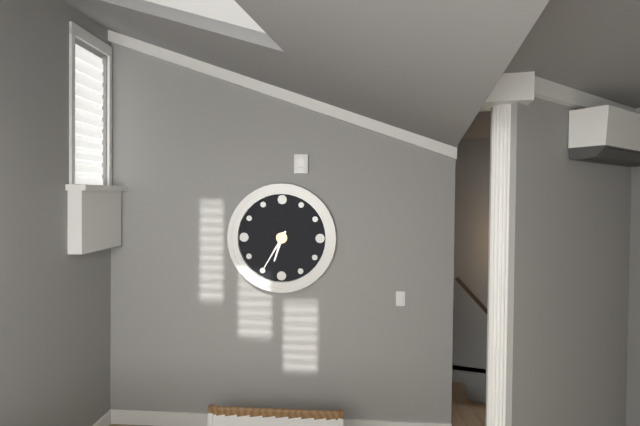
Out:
6.35
